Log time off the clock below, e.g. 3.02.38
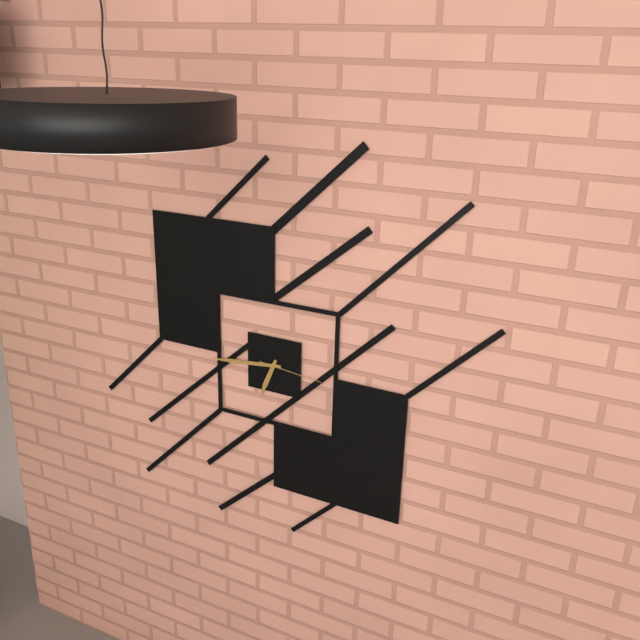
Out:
6.44.16
